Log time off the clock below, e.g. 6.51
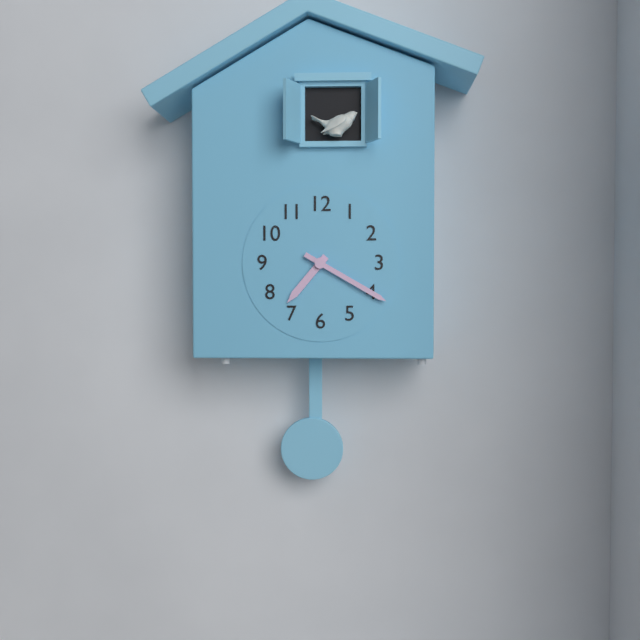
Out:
7.20
